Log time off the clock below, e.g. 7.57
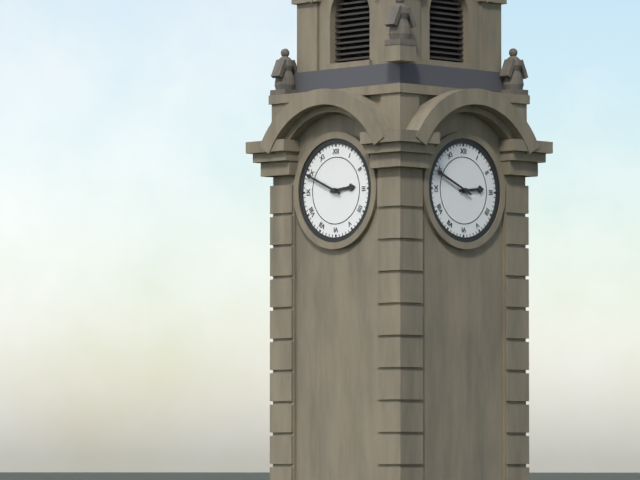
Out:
2.49
